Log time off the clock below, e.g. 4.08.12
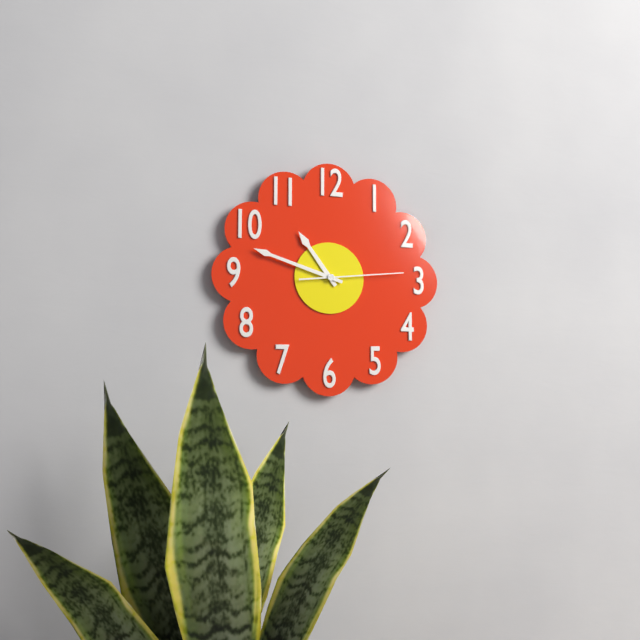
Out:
10.48.14
